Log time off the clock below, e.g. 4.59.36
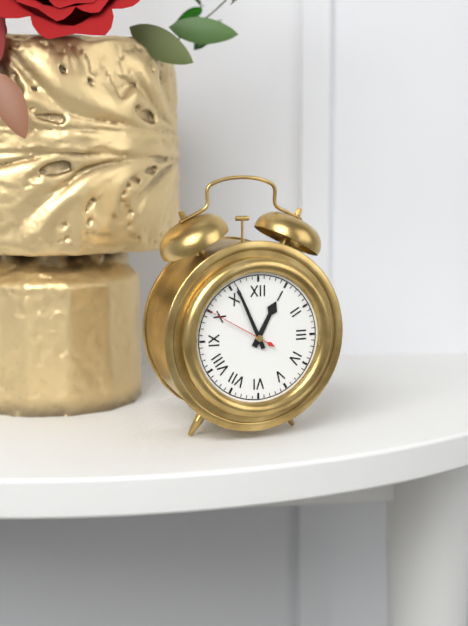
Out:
12.56.50
